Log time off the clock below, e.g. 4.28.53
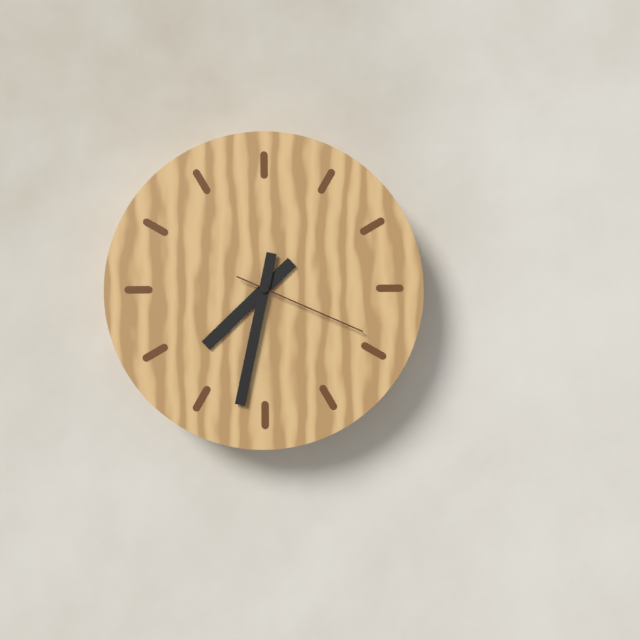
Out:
7.32.19
